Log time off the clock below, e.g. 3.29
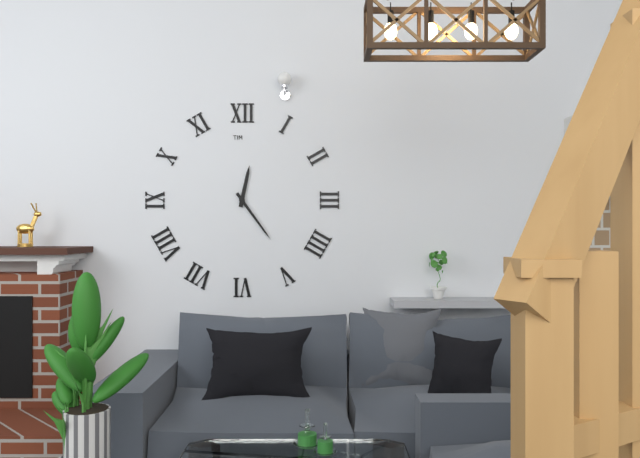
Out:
12.24
